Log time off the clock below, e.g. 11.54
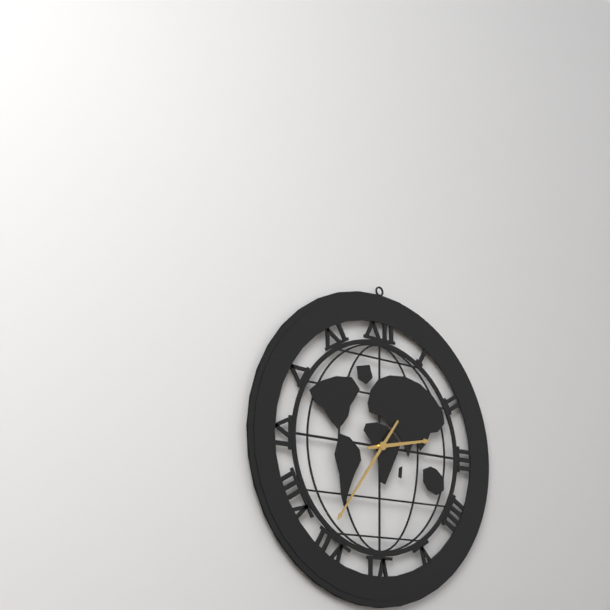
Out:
2.36
